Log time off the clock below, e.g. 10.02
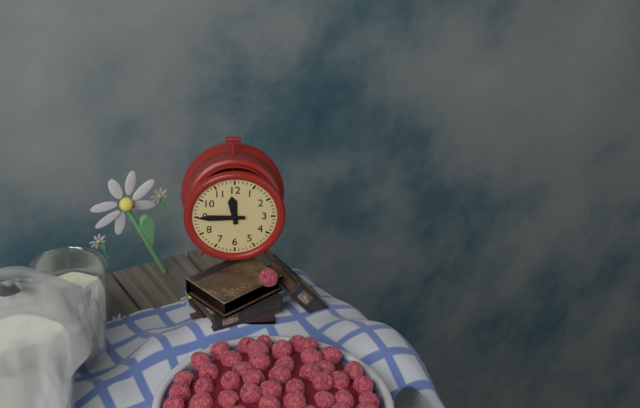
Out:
11.45
